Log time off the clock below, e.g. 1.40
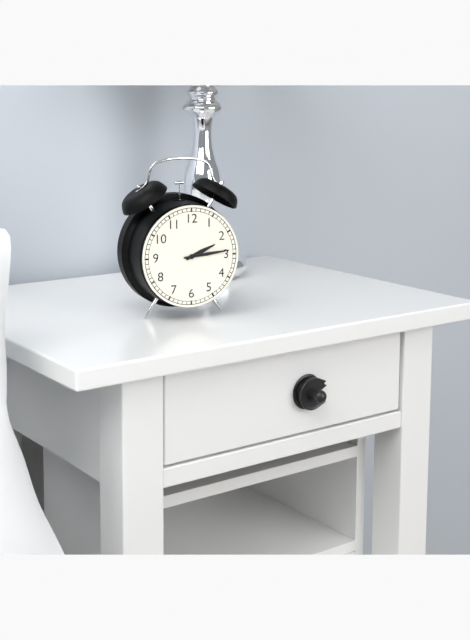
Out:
2.14
